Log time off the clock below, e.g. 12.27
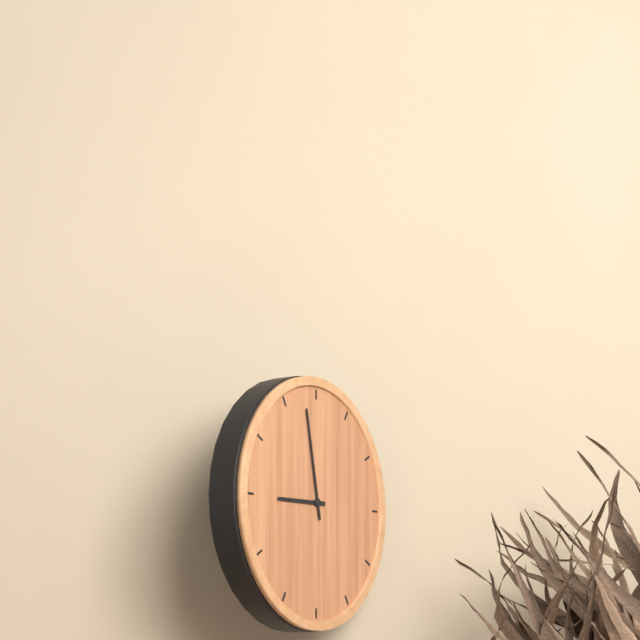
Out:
8.58
